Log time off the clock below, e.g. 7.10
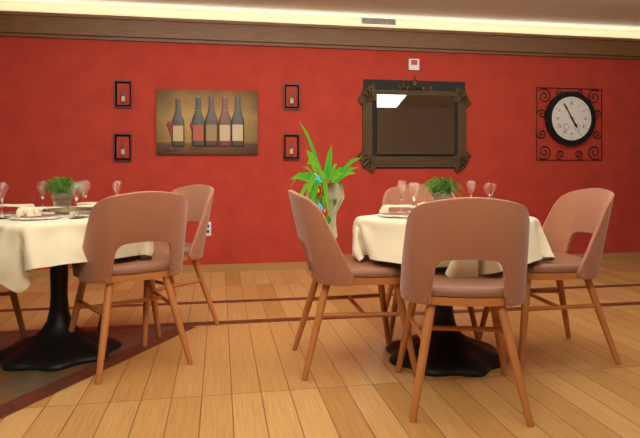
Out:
4.55
